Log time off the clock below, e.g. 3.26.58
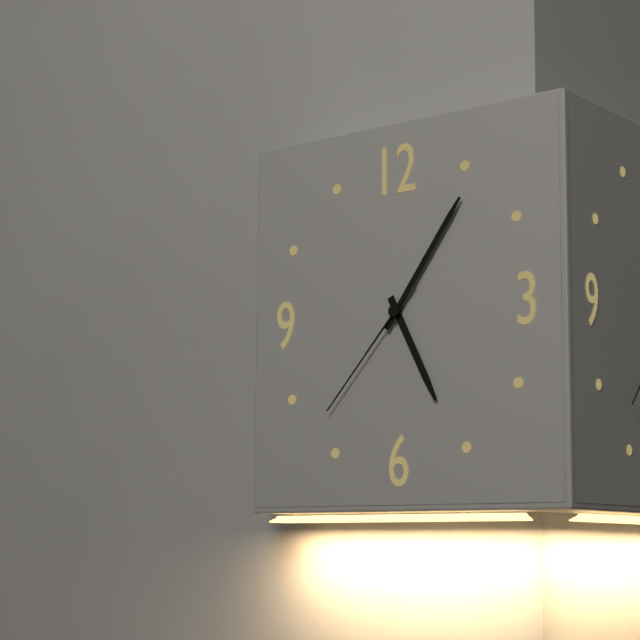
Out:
5.06.37
